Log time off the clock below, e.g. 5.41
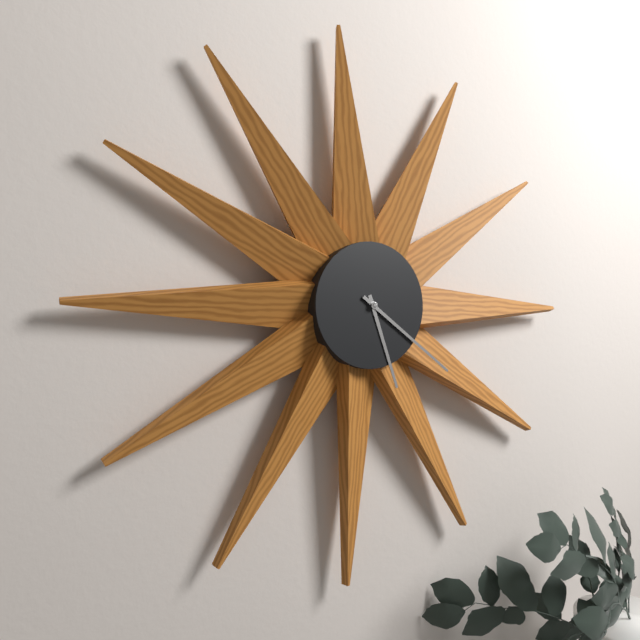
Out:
5.21
